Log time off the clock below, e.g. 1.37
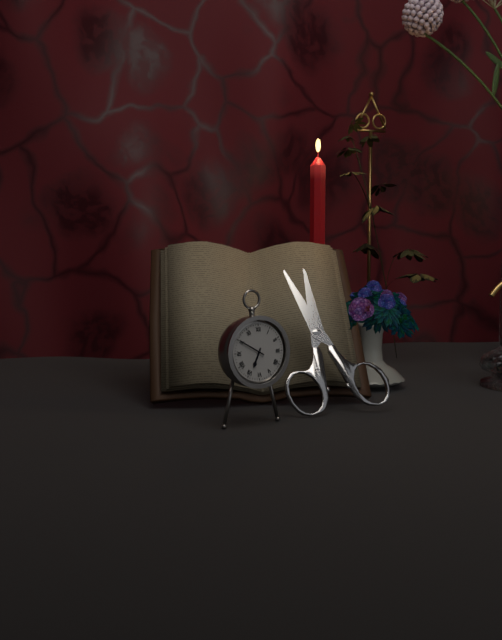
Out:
6.50
